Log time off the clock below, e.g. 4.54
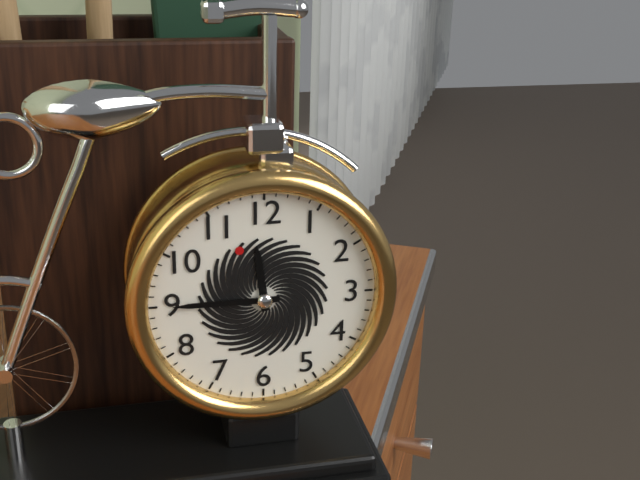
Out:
11.45
